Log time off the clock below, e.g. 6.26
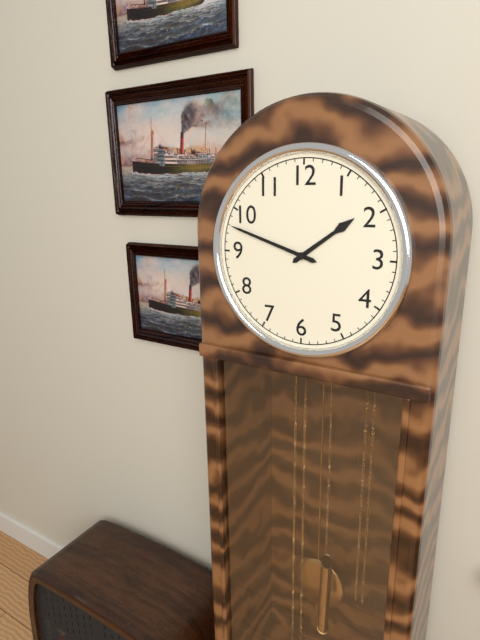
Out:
1.48
